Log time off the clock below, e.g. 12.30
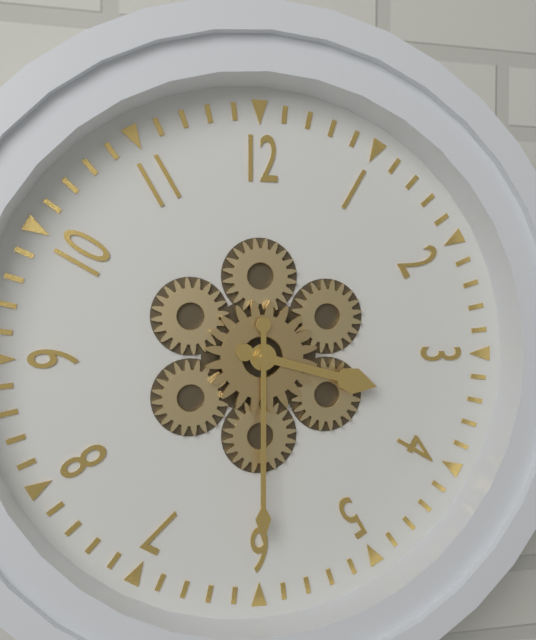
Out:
3.30
